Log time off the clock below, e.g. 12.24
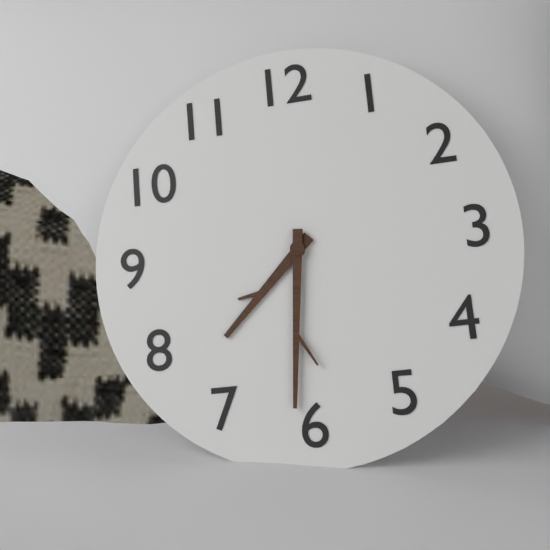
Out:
7.31
